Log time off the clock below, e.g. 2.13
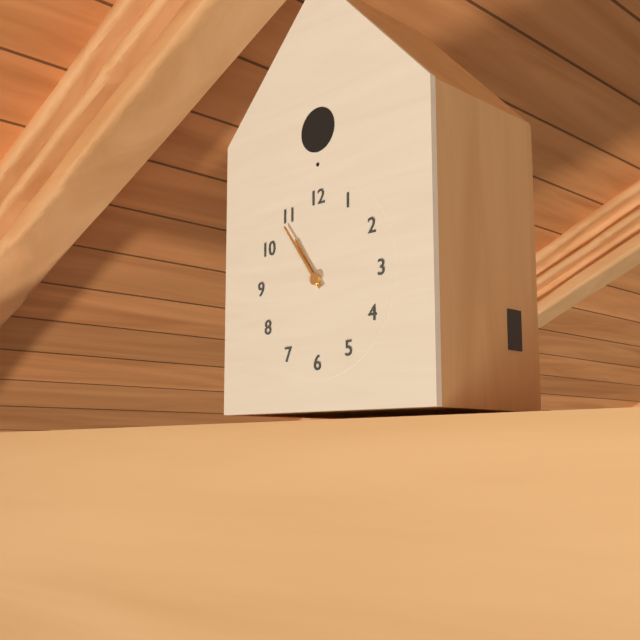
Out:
10.54
